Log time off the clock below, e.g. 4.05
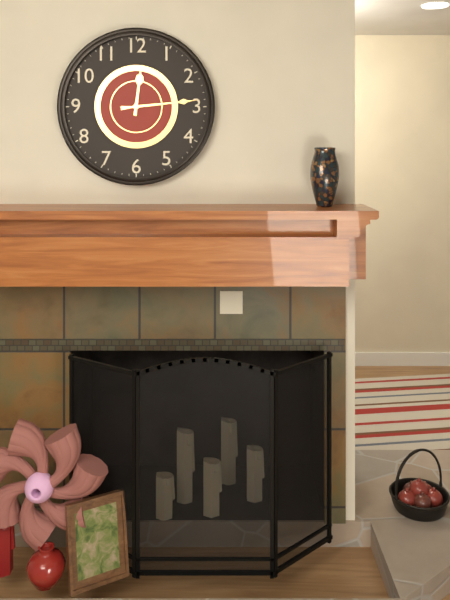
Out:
12.14
